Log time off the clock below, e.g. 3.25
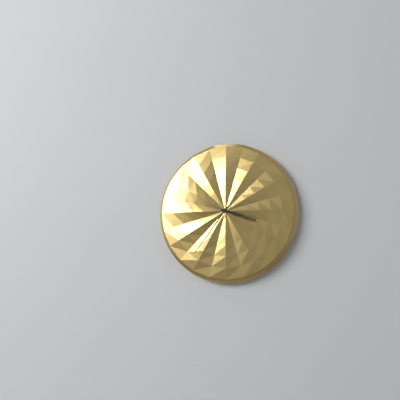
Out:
3.36
